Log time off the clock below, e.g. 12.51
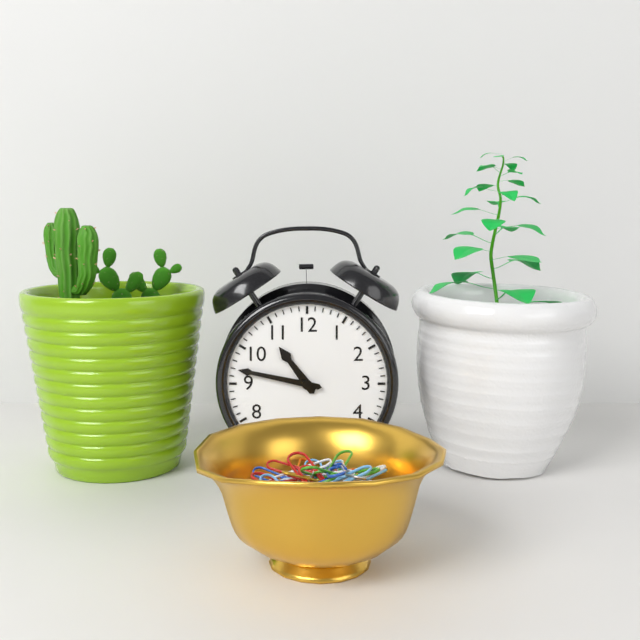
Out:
10.47
